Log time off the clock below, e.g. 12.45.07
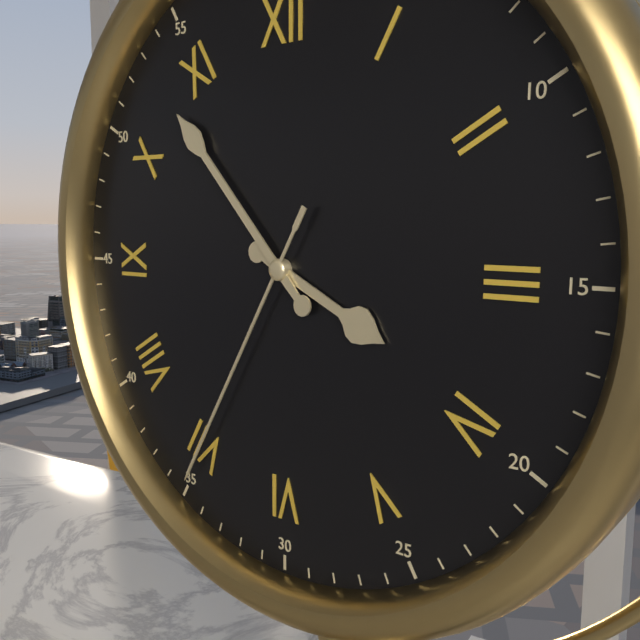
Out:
3.53.35
